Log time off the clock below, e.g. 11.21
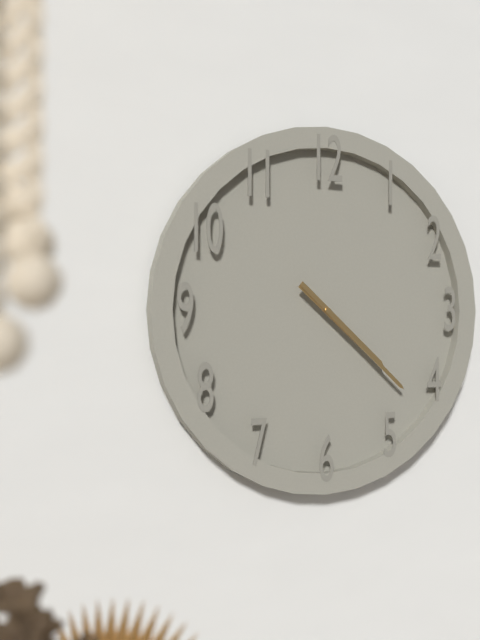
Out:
4.22
